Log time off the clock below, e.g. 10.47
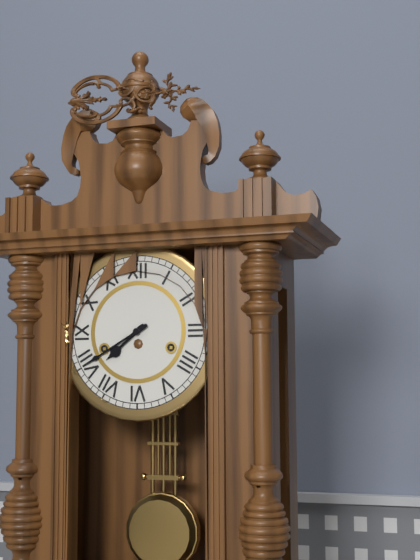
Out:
7.40
